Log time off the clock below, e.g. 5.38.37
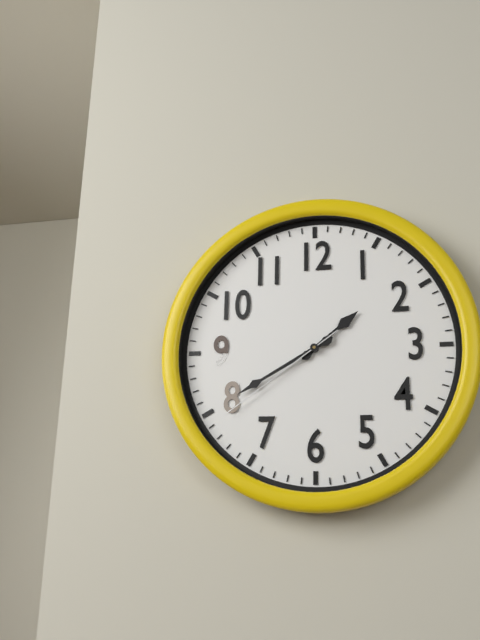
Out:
1.40.39
